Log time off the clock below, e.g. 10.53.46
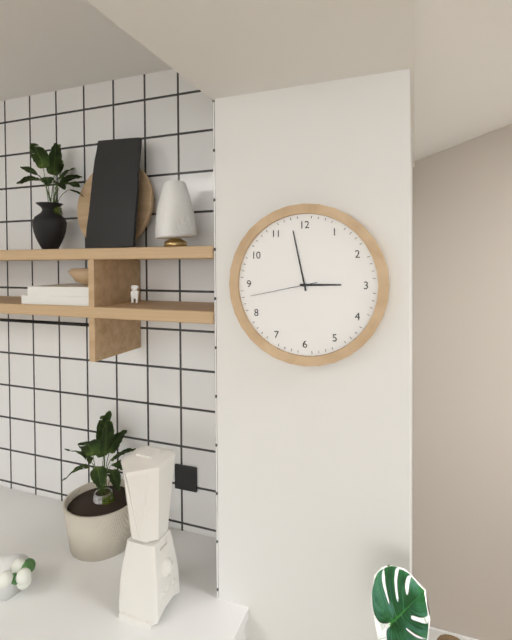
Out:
2.58.43
